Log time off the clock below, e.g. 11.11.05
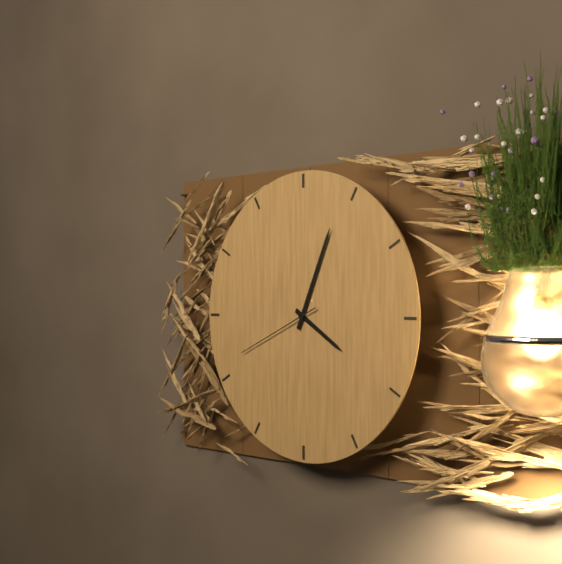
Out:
4.04.41
